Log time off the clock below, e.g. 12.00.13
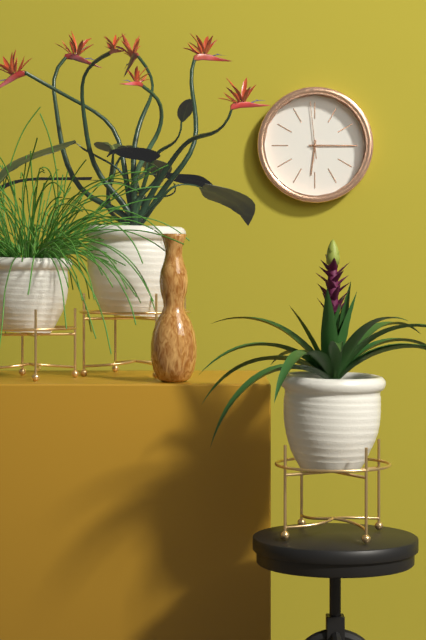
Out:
6.15.59
